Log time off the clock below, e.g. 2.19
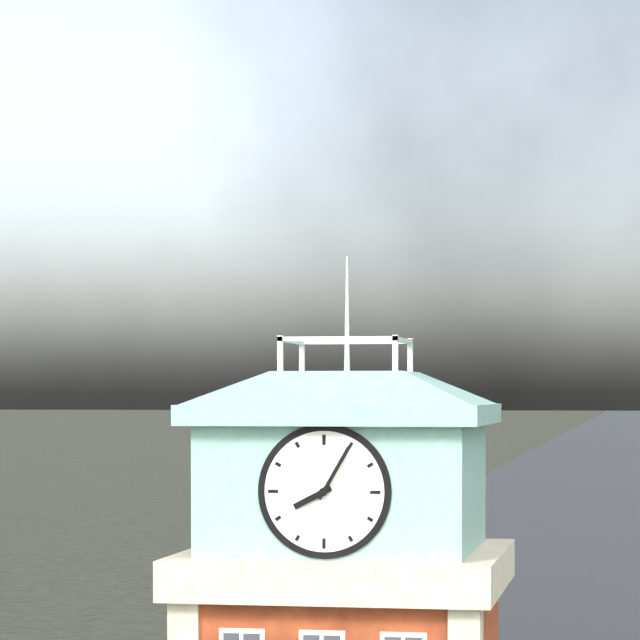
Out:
8.05
